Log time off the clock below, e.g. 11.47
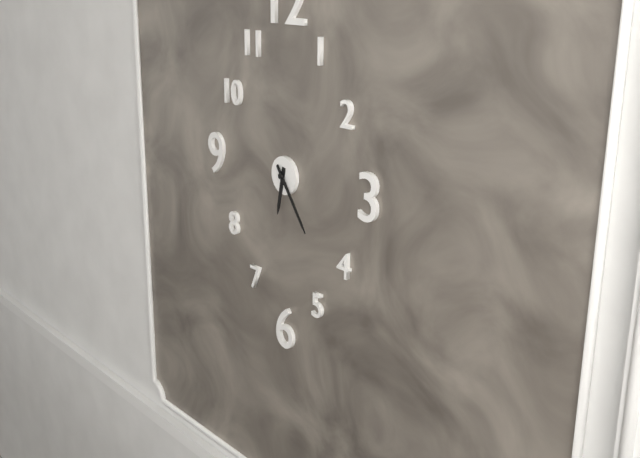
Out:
6.24
